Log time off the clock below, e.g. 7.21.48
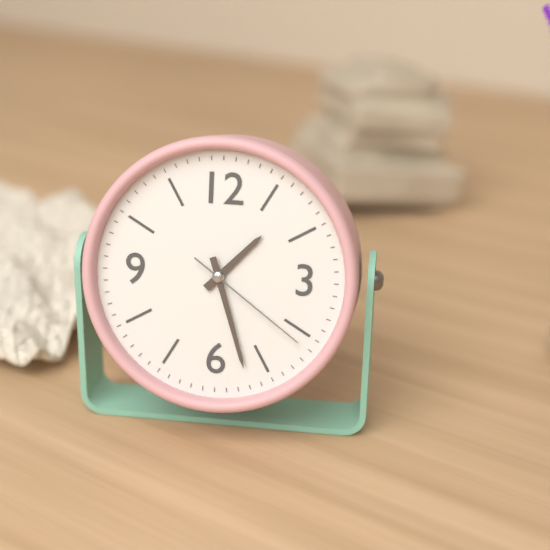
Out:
1.27.21
